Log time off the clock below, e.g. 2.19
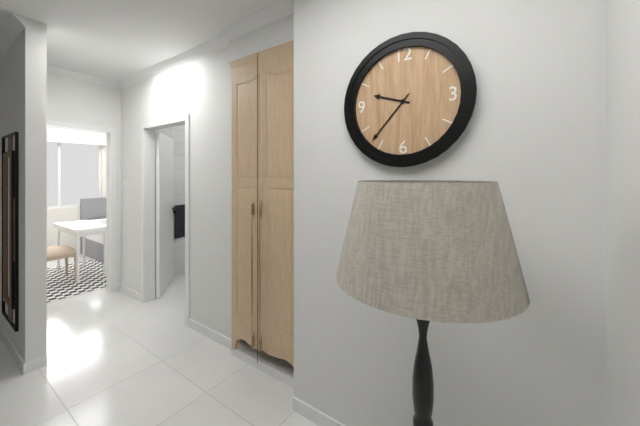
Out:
9.37
